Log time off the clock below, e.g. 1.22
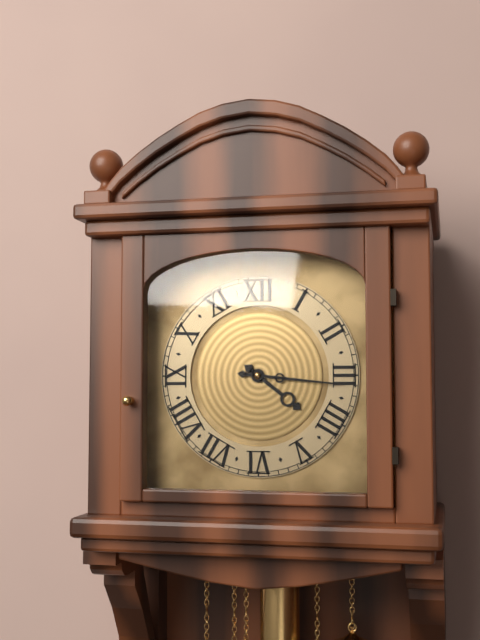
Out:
4.16
